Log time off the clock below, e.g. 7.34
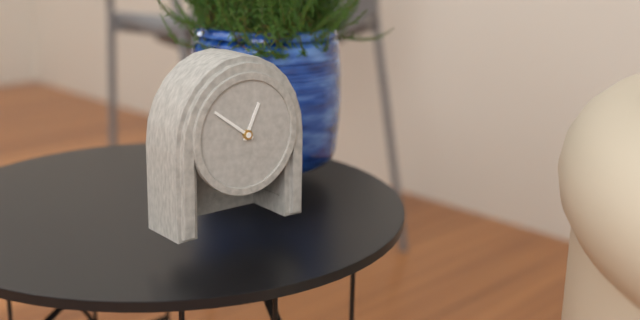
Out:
12.51
